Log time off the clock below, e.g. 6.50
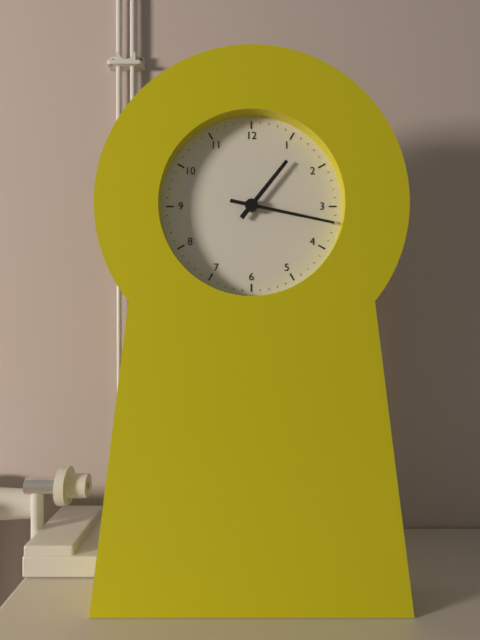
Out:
1.17
